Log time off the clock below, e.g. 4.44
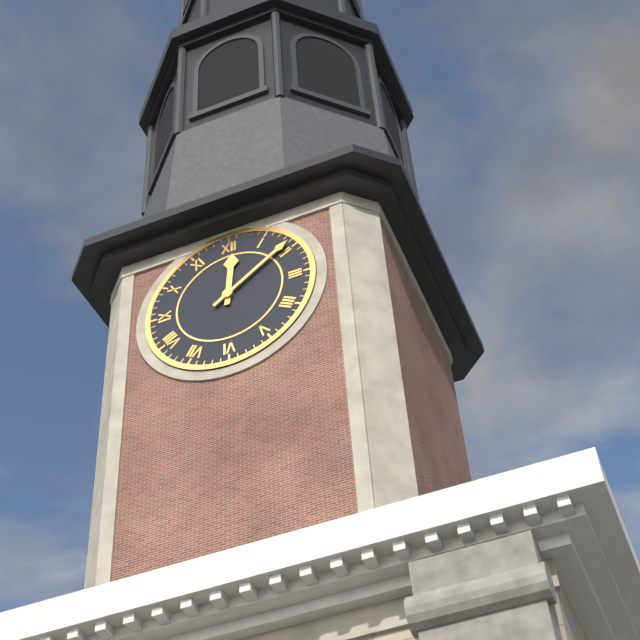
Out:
12.09
